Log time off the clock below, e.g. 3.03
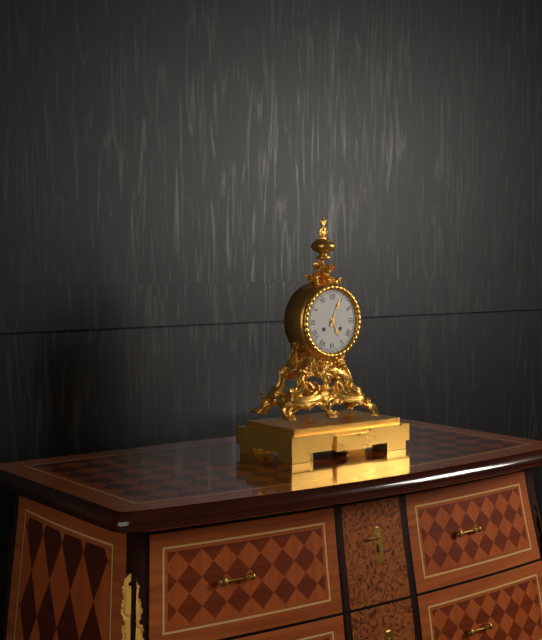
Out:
5.04
